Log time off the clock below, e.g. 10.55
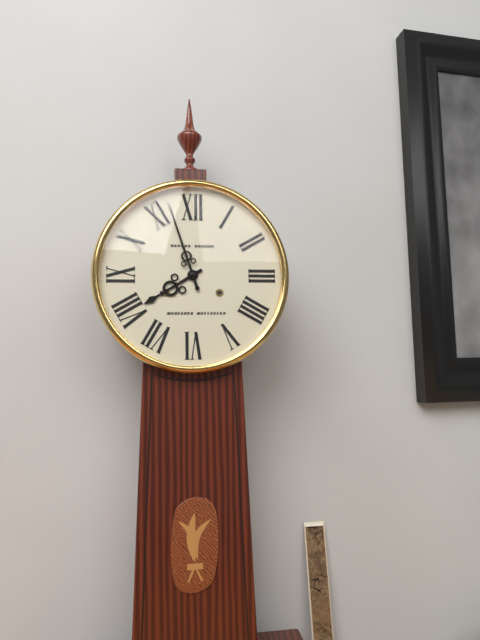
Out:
7.57
